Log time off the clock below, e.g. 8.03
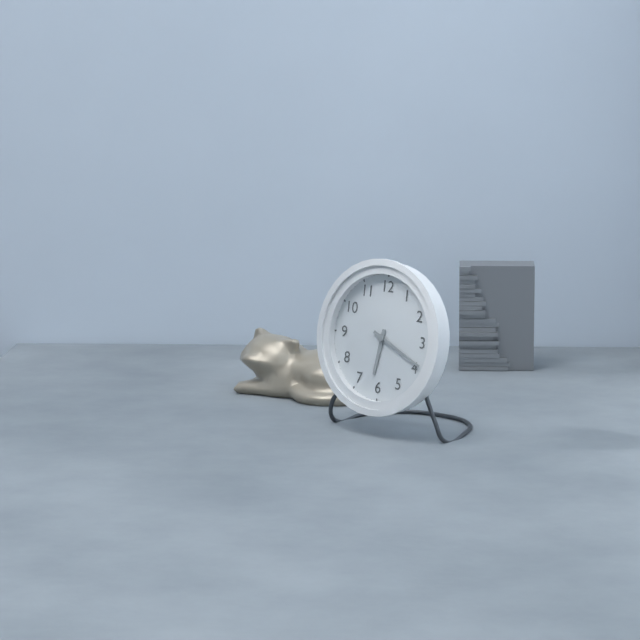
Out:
6.19
